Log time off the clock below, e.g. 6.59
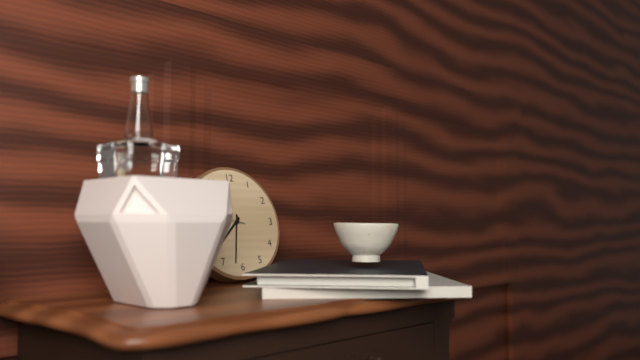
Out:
7.32
